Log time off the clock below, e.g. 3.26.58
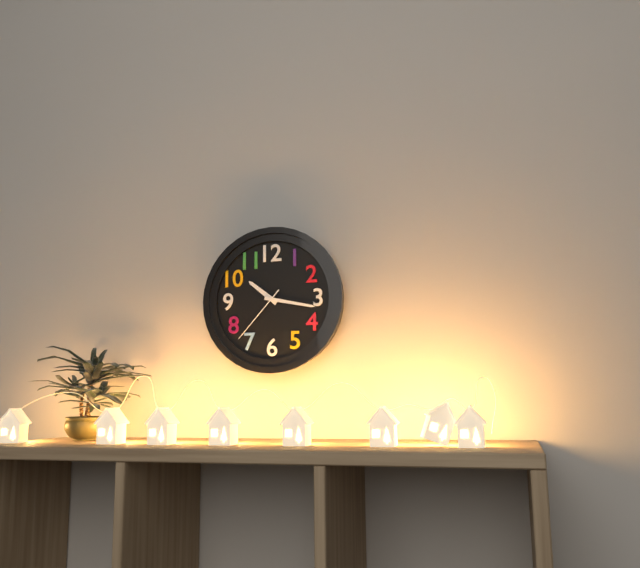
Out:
10.17.37
